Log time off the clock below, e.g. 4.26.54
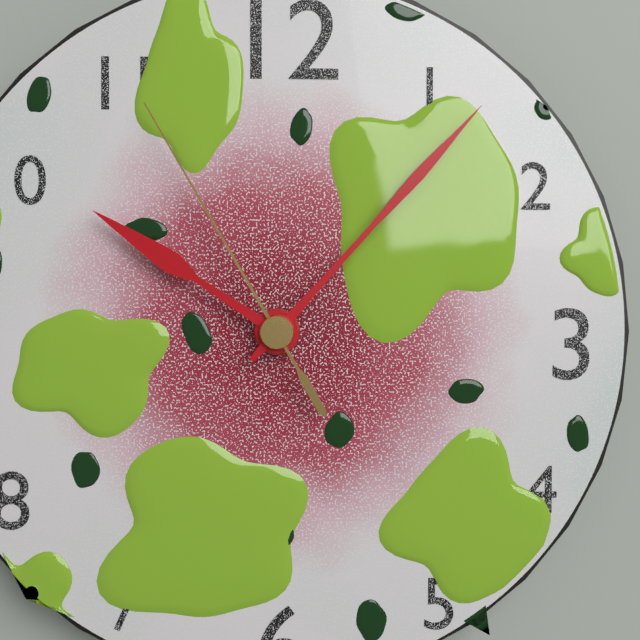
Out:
10.07.55
